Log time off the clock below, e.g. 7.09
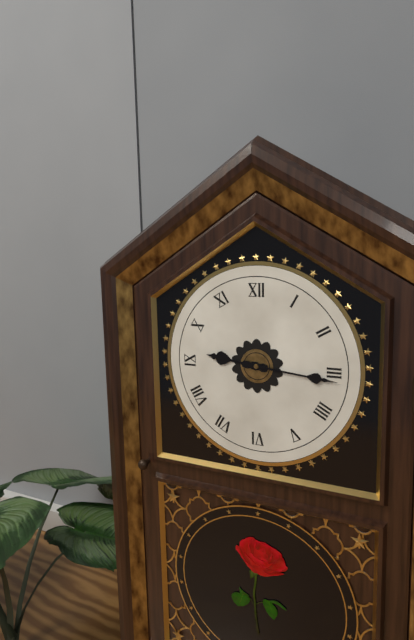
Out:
9.16
